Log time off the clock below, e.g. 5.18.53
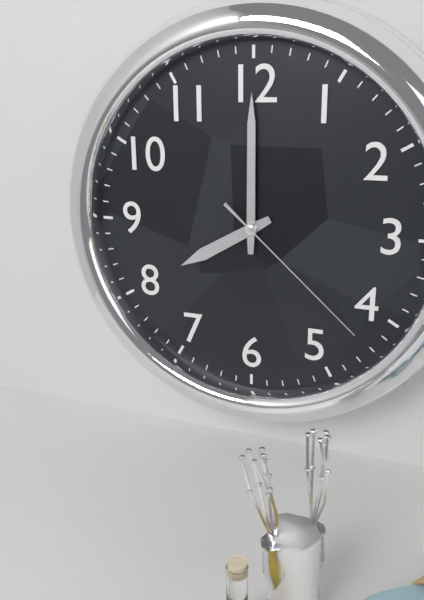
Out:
8.00.22
